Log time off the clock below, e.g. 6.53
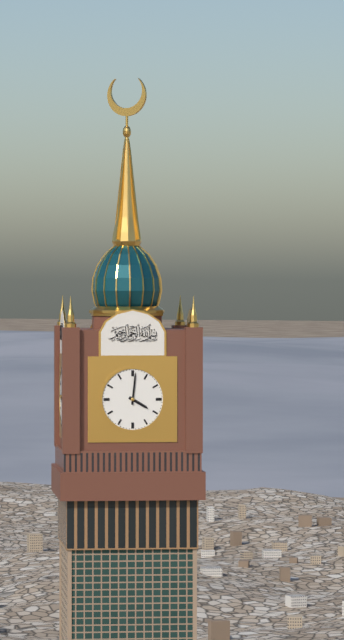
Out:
4.01
